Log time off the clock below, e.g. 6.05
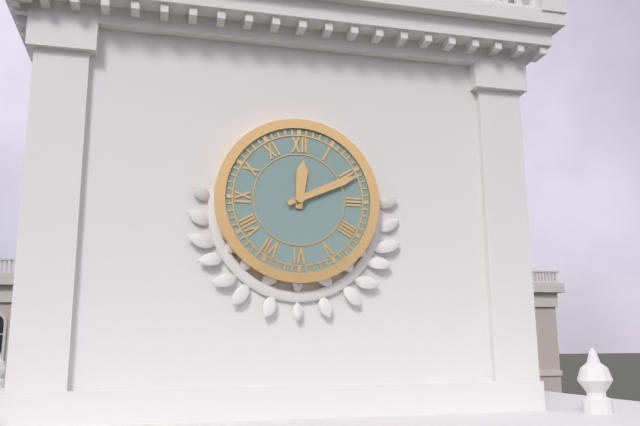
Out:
12.11
